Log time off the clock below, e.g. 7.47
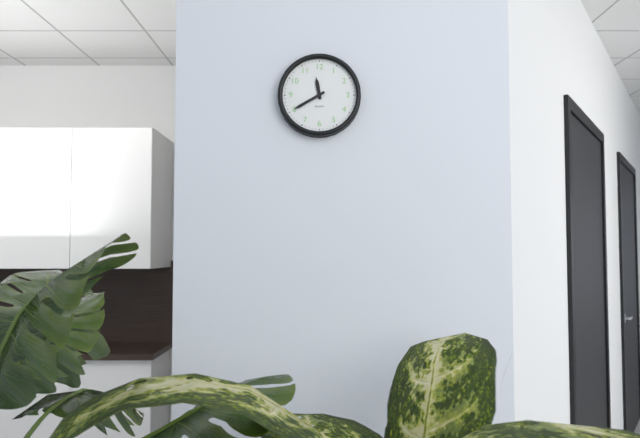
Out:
11.40
